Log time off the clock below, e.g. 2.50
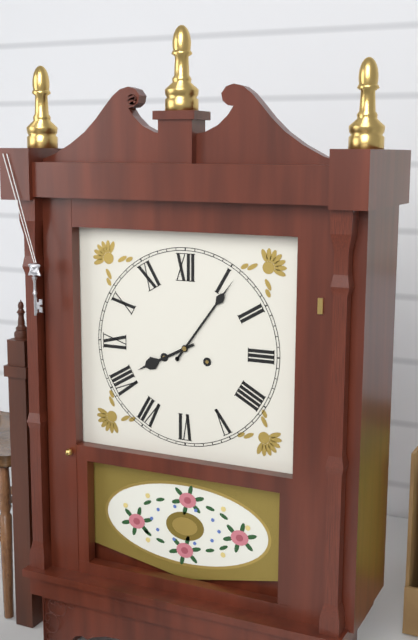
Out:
8.06
